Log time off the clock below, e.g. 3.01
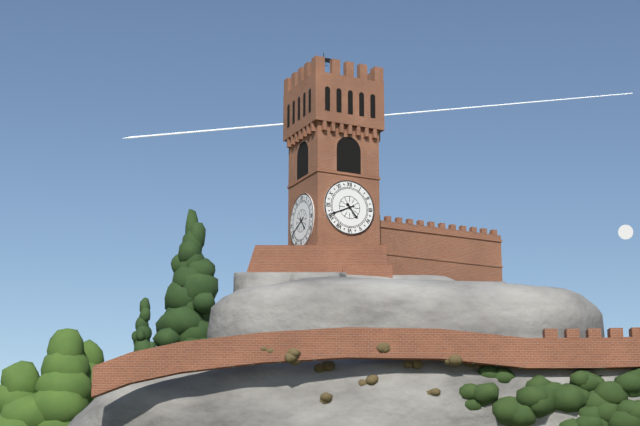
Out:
4.41
